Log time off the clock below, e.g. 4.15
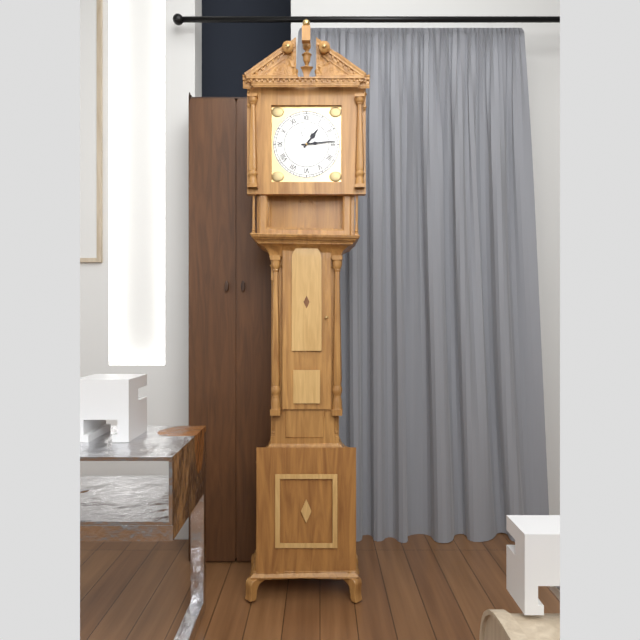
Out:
1.14
